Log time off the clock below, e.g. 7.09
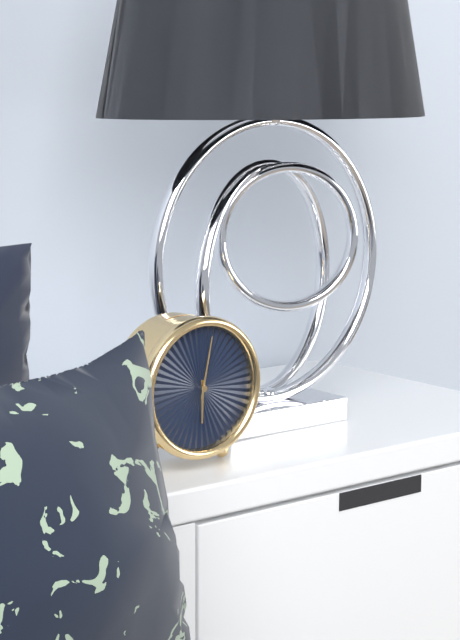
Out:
6.02
